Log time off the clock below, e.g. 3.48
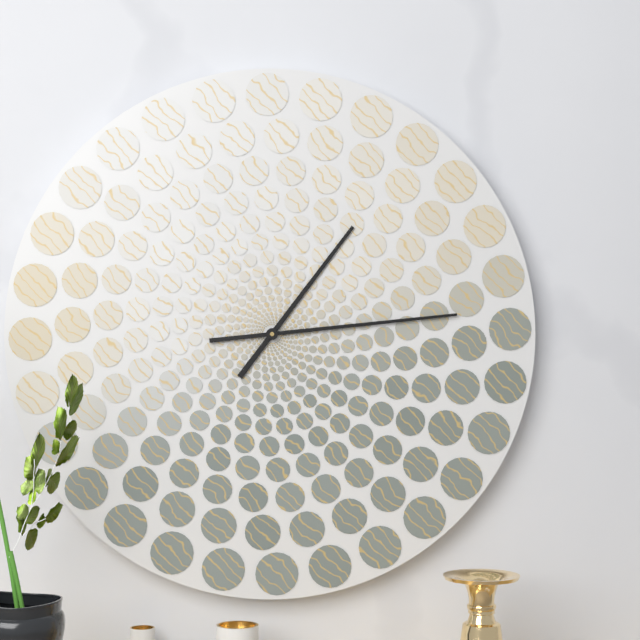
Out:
1.14
